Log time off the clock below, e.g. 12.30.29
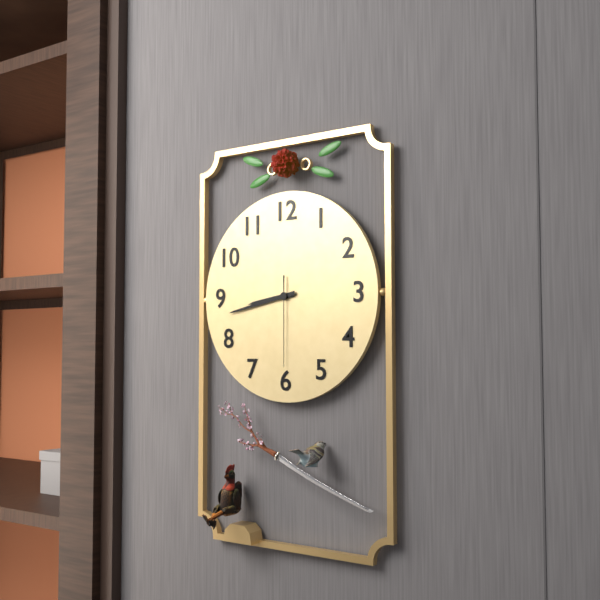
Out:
8.43.30
